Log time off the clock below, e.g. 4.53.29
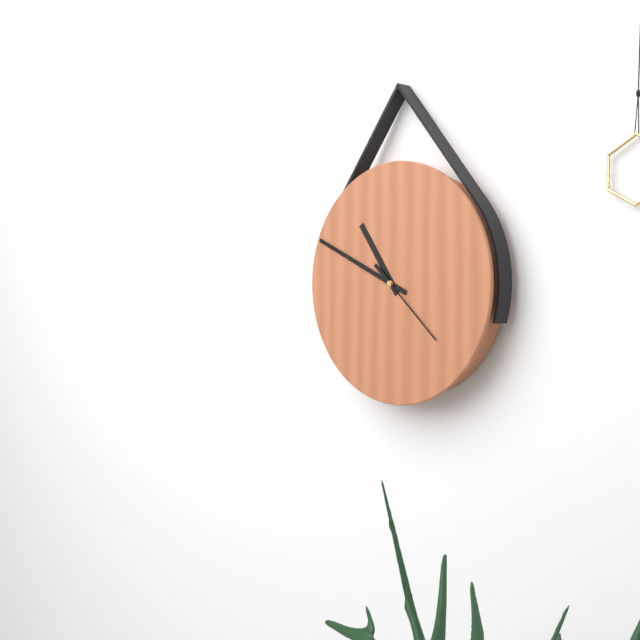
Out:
10.49.22
